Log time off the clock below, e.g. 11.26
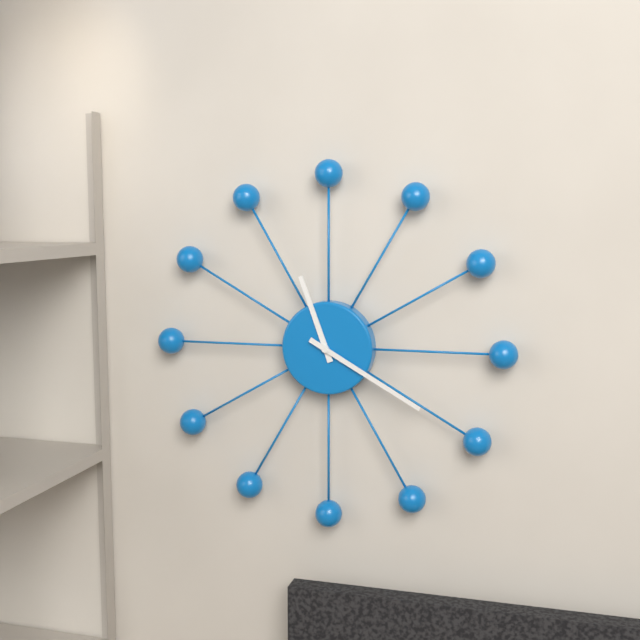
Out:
11.20
